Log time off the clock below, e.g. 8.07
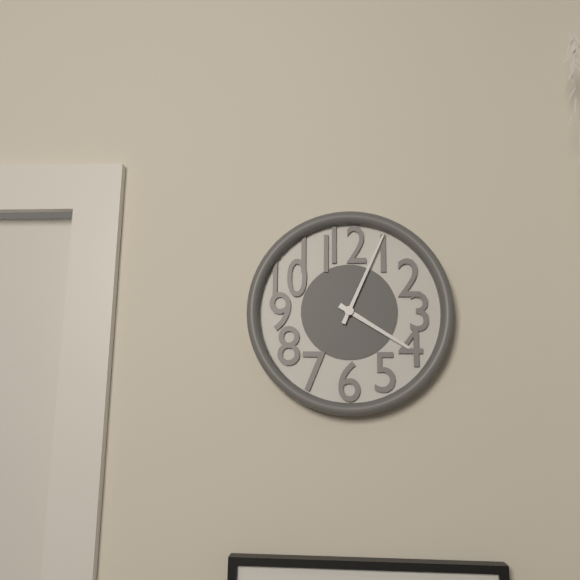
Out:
4.04
